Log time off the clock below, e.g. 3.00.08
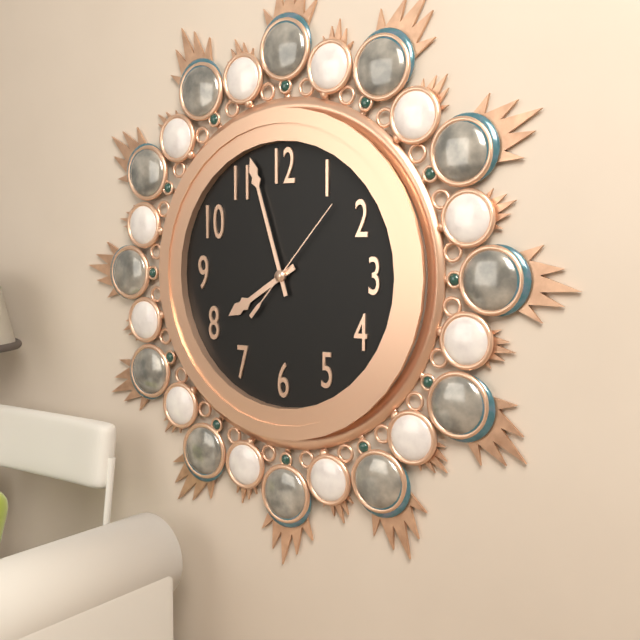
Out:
7.57.07
